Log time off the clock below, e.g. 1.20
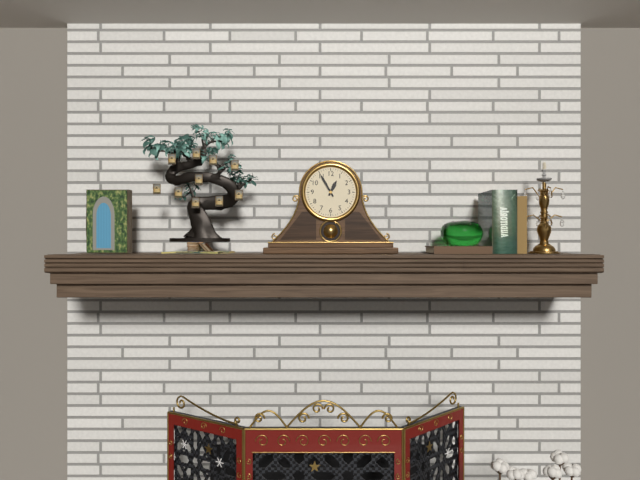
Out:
12.55
